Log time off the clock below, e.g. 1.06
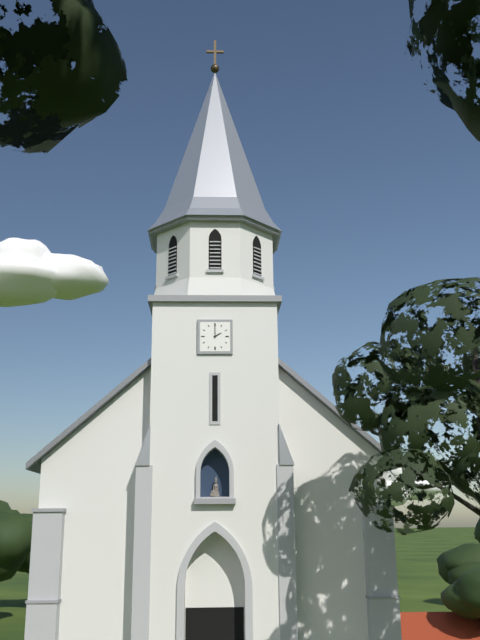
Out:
2.00
